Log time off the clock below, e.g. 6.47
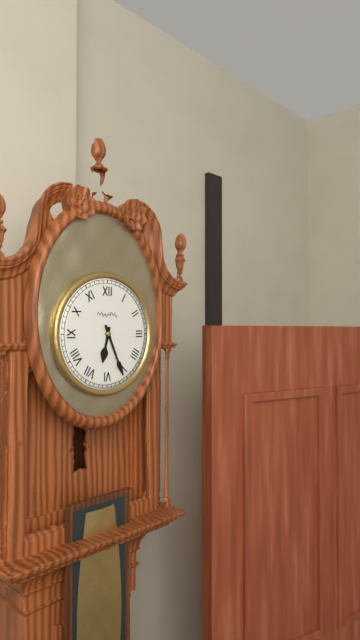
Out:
6.26
